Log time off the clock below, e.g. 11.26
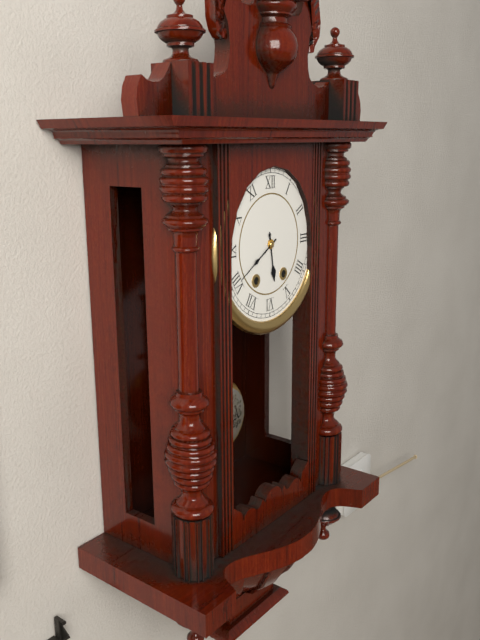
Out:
5.40
